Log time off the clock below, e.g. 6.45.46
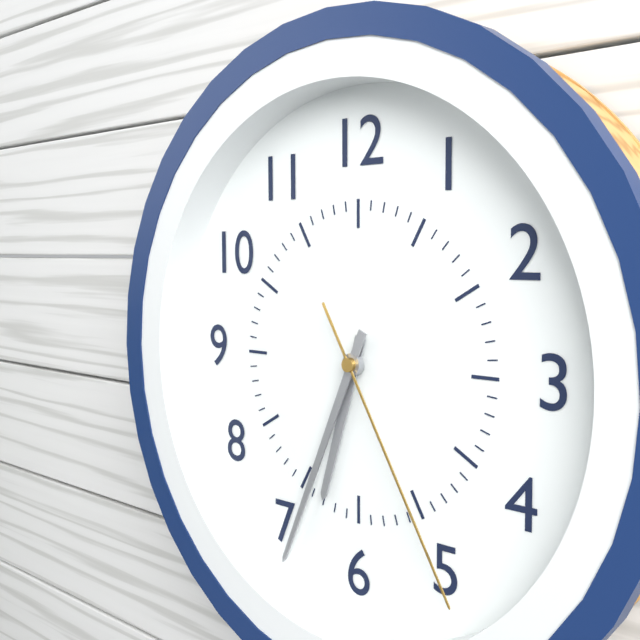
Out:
6.34.25
